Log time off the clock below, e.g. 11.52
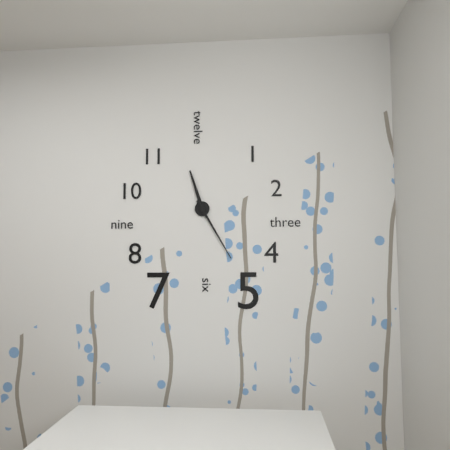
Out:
11.25
